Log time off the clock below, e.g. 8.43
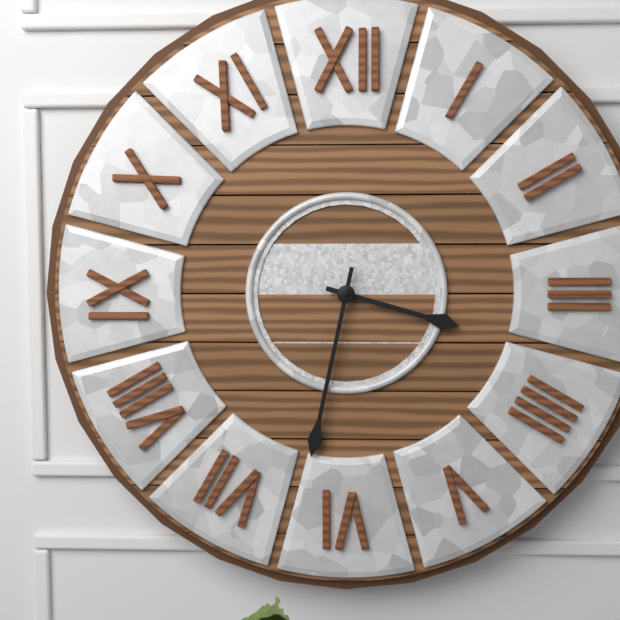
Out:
3.32
